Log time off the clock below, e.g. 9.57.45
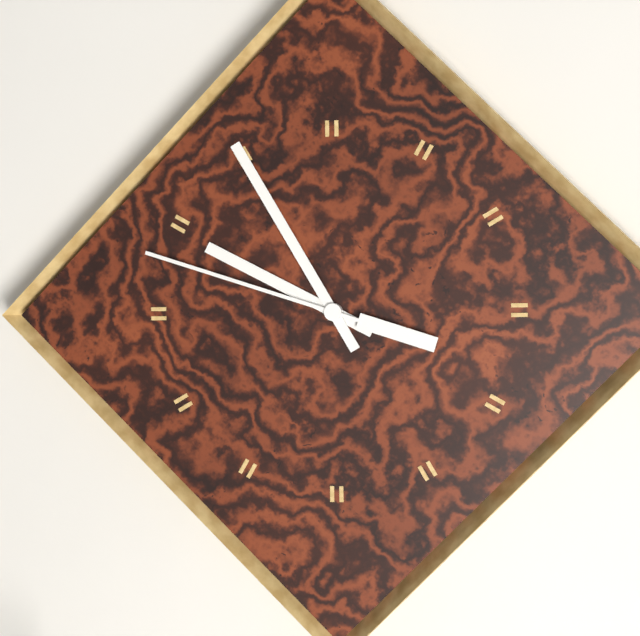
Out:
9.55.48
